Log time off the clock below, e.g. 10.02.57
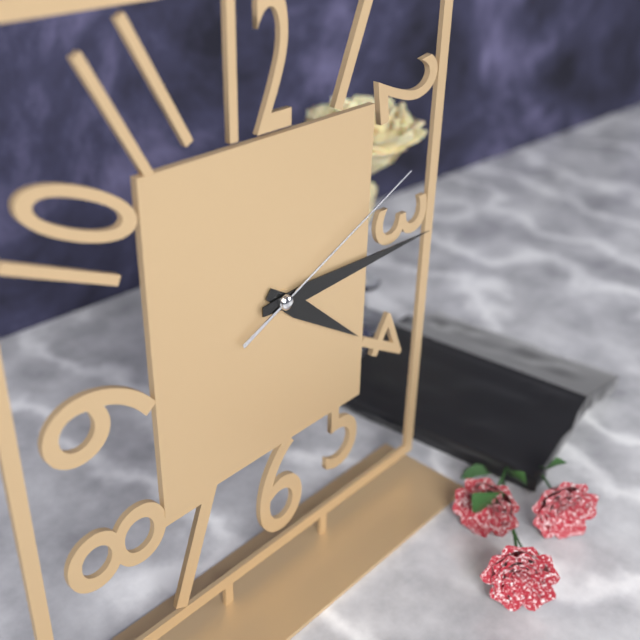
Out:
4.15.11
